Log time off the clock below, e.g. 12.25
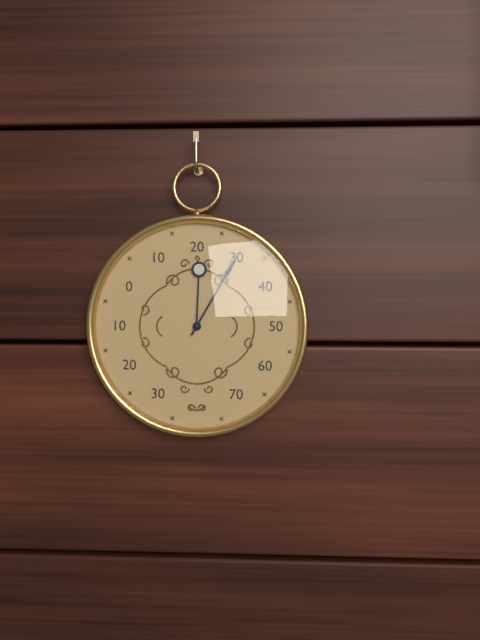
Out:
12.05
